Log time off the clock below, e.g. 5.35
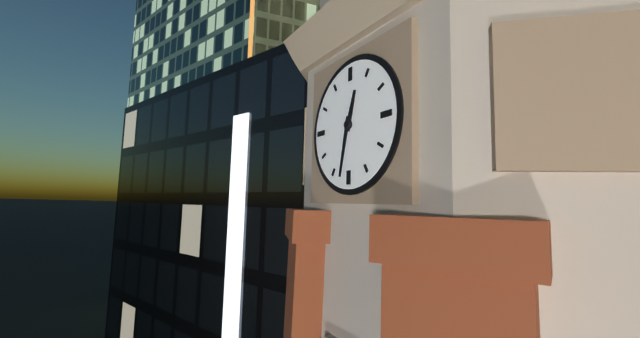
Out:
12.32
